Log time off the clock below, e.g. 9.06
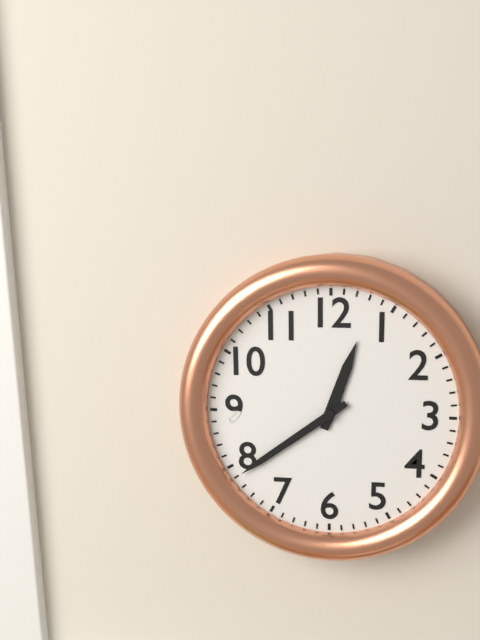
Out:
12.39
